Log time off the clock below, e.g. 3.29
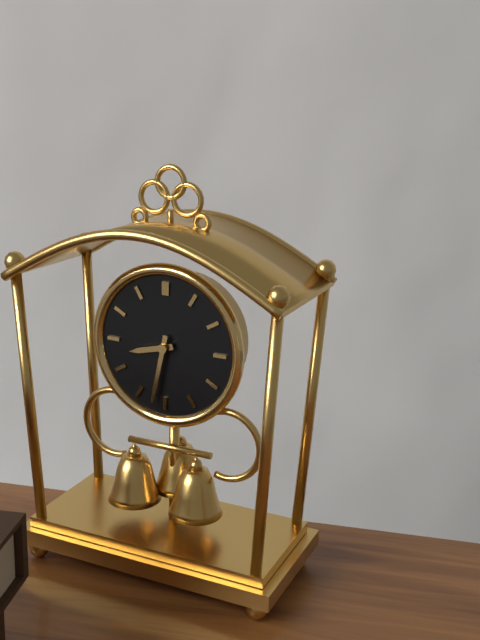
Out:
8.32
